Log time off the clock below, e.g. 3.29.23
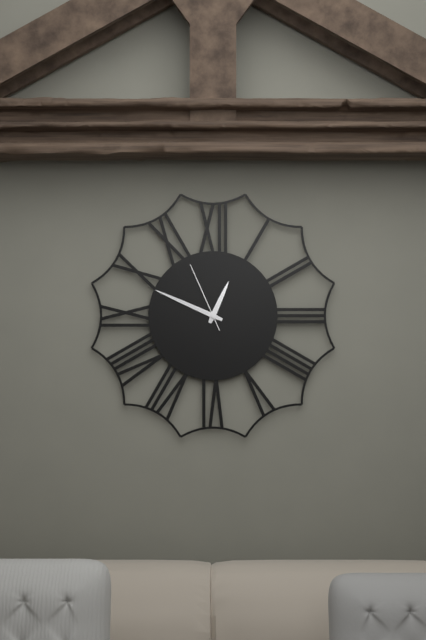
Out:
12.49.56
